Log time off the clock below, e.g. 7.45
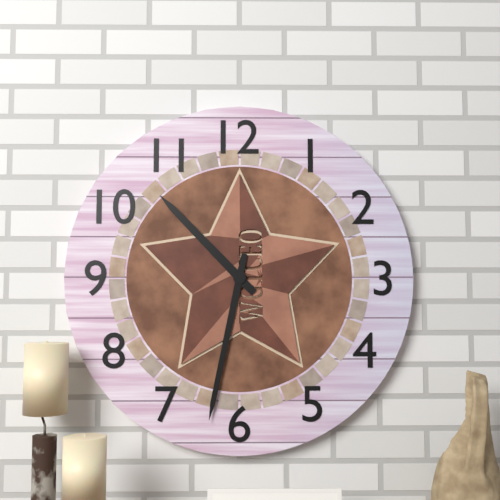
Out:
10.32
